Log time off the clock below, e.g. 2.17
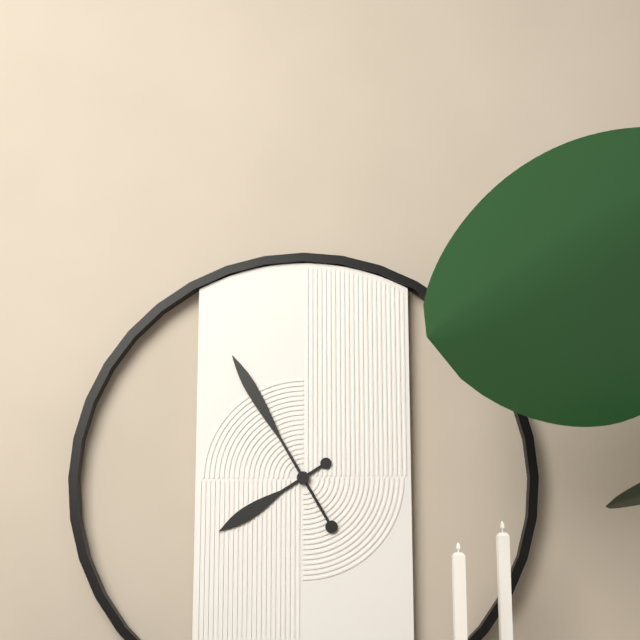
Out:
7.55
